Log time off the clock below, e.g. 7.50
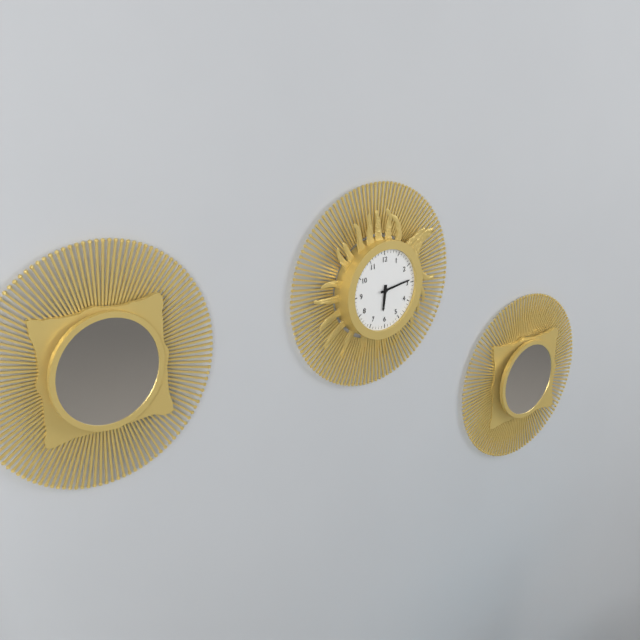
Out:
6.14
